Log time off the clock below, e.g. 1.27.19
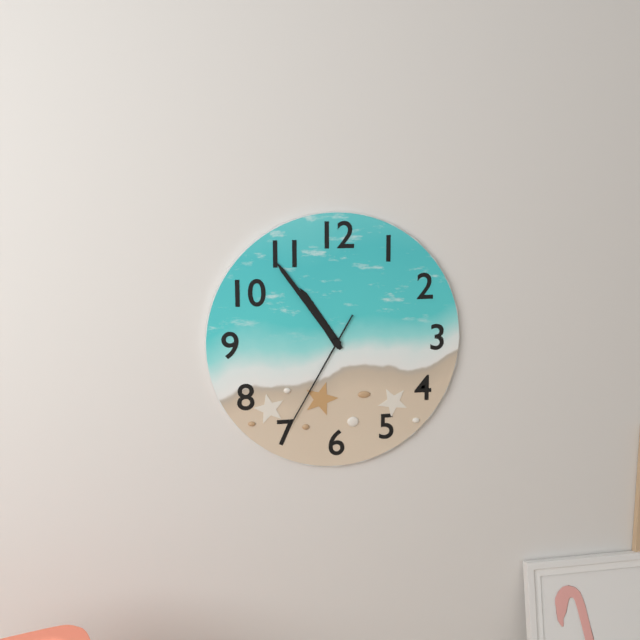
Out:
10.54.35
